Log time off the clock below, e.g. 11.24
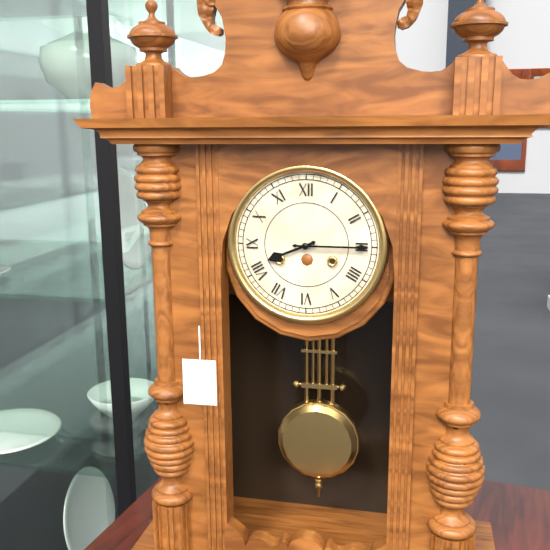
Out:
8.15
